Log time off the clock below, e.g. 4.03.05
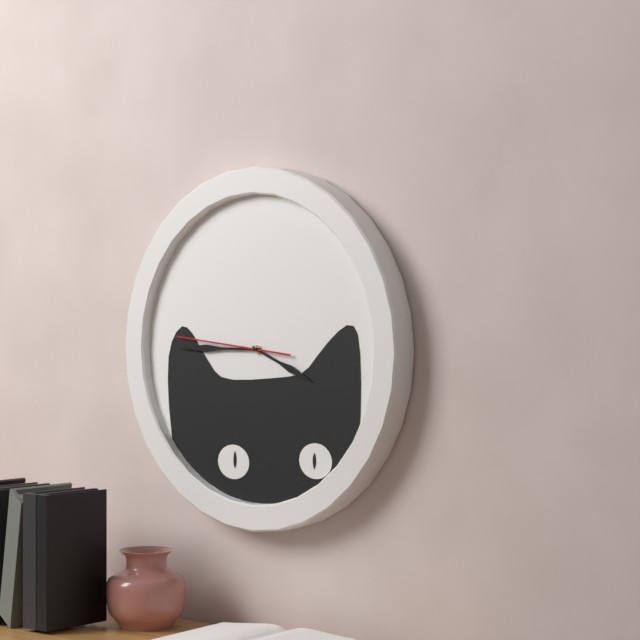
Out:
3.45.46
